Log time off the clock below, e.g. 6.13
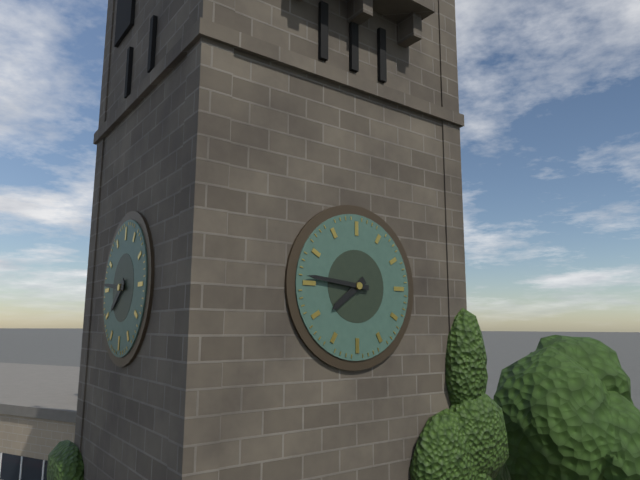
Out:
7.46
